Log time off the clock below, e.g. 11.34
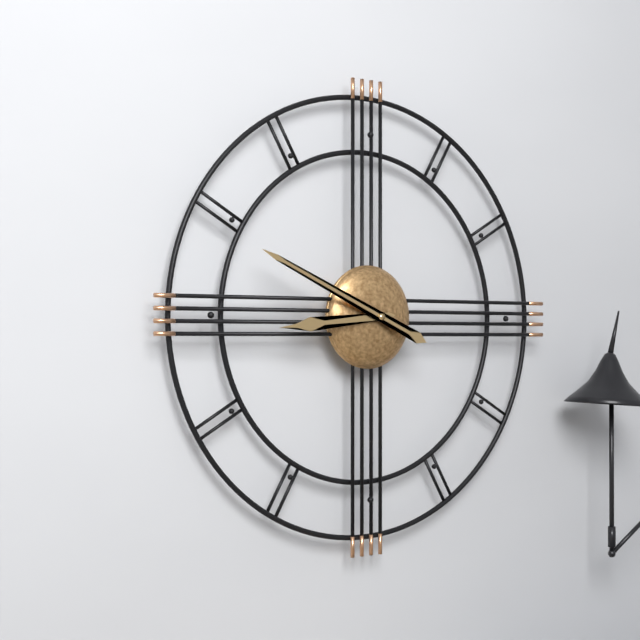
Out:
8.49
